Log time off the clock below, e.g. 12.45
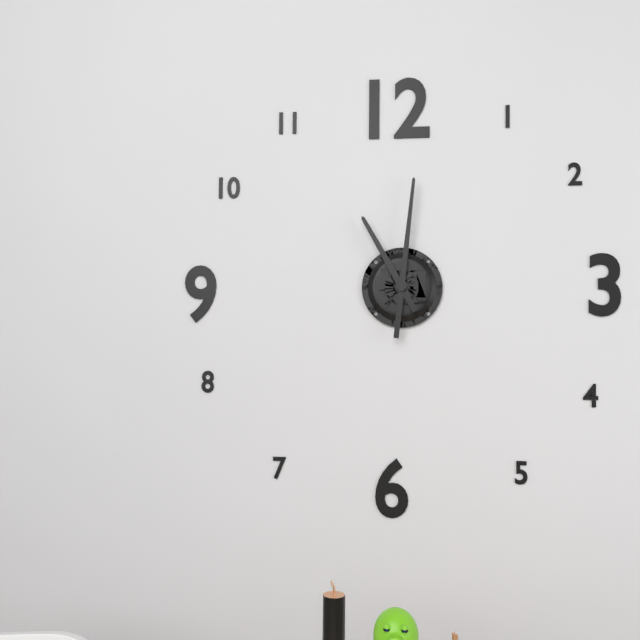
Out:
11.01
